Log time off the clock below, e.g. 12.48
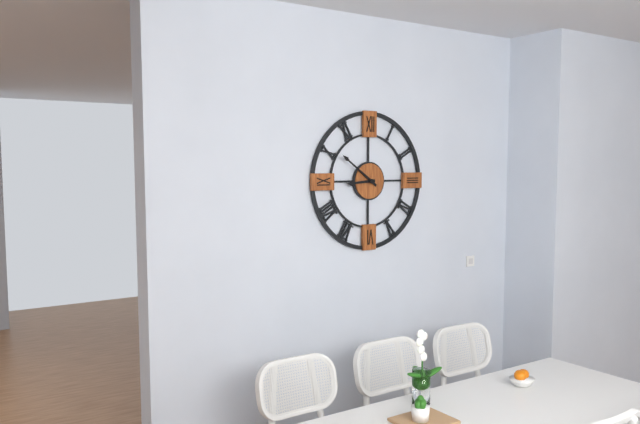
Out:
8.51
